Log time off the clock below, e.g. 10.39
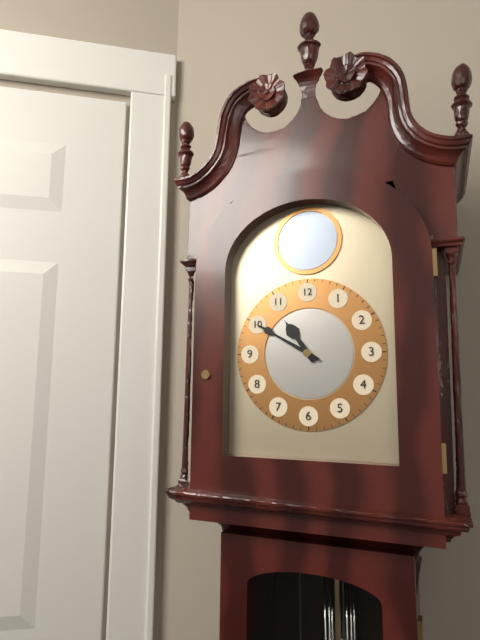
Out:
10.50
